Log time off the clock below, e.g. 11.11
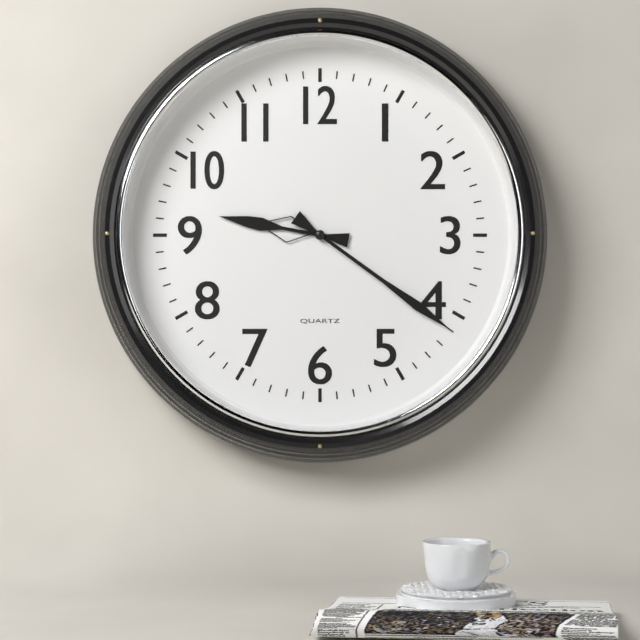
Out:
9.21
